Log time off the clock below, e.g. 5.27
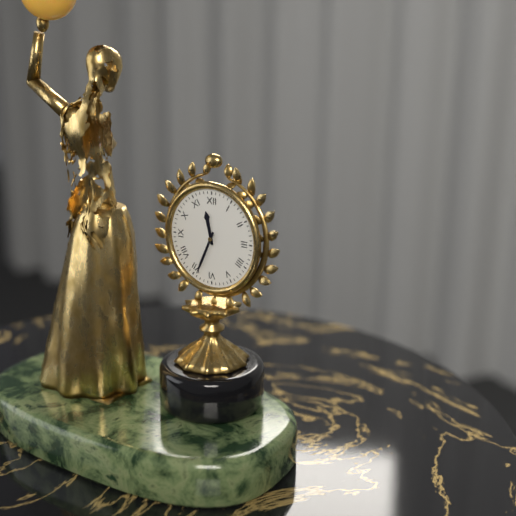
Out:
11.34
